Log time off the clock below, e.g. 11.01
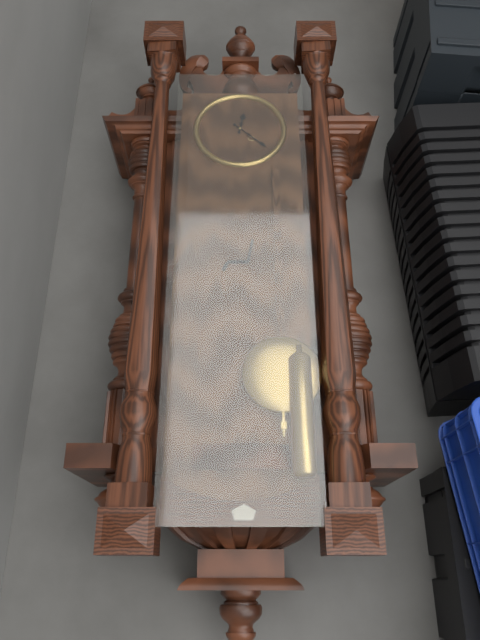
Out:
12.22
